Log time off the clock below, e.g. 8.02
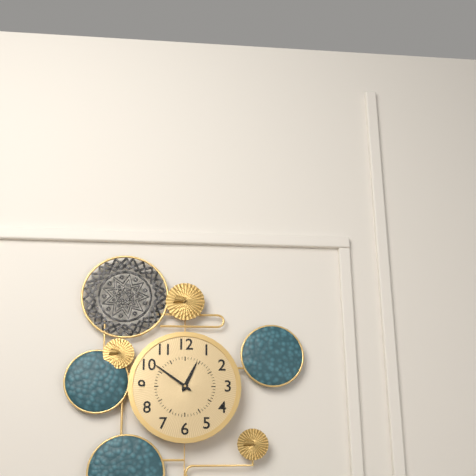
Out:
12.51
